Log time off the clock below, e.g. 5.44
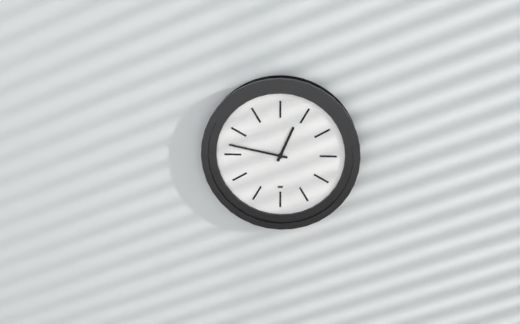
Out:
12.47
